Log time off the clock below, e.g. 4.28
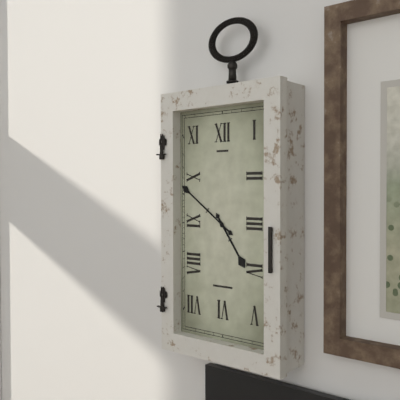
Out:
4.51
